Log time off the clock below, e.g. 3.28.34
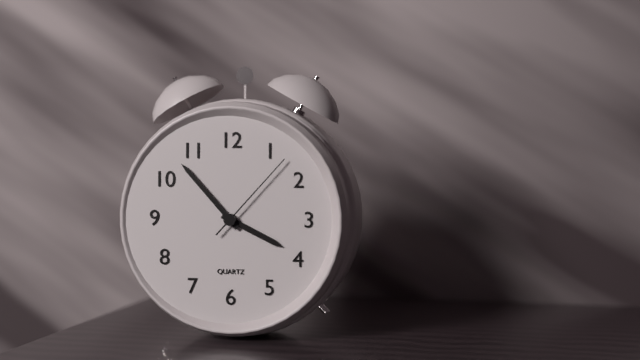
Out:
3.53.07
